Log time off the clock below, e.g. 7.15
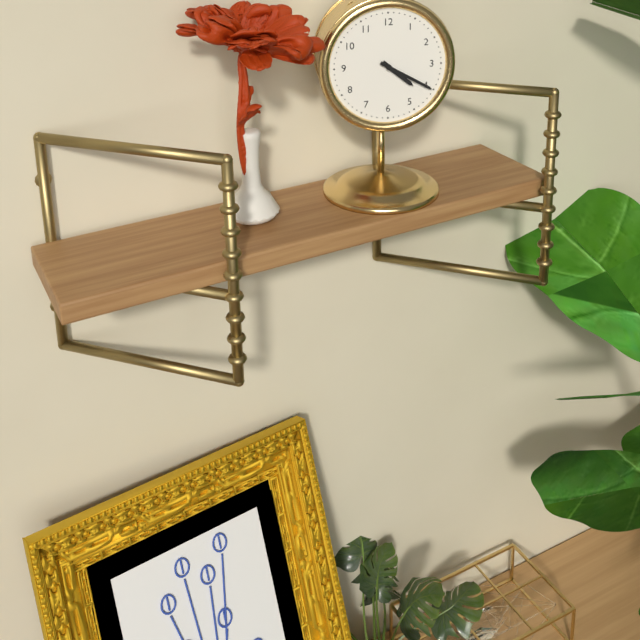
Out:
4.20
